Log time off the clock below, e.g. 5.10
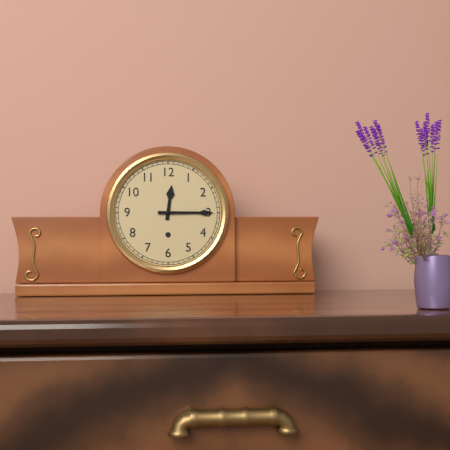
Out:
12.15
